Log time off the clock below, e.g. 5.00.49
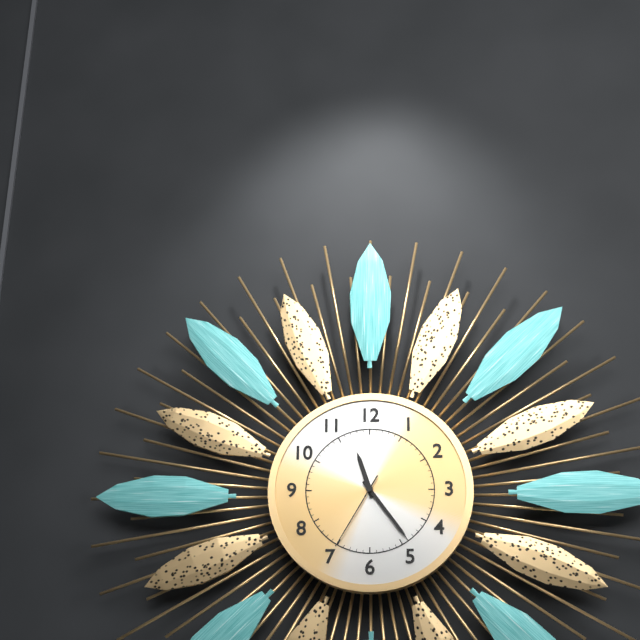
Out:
11.24.35
